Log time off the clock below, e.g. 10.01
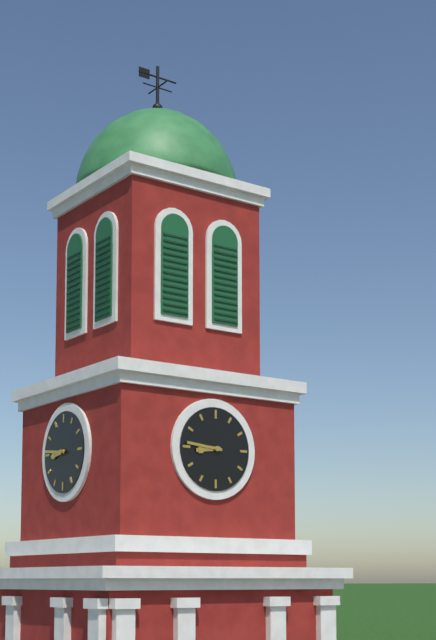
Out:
8.46
